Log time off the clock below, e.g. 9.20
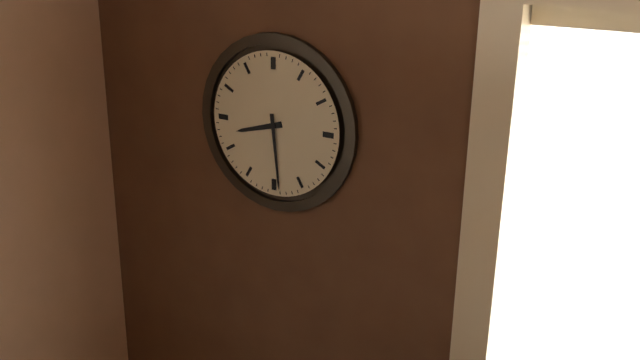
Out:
8.29
